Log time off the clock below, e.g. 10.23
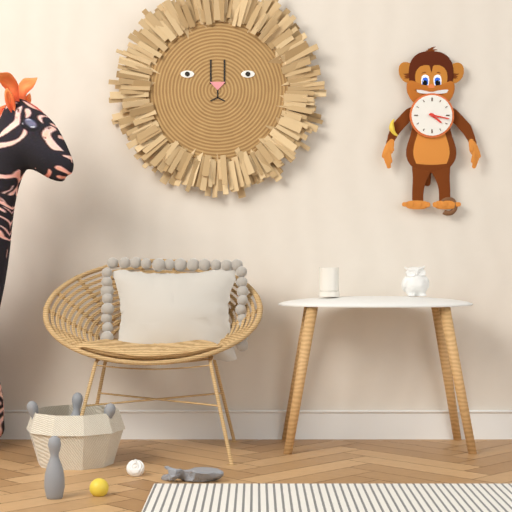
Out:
4.17
